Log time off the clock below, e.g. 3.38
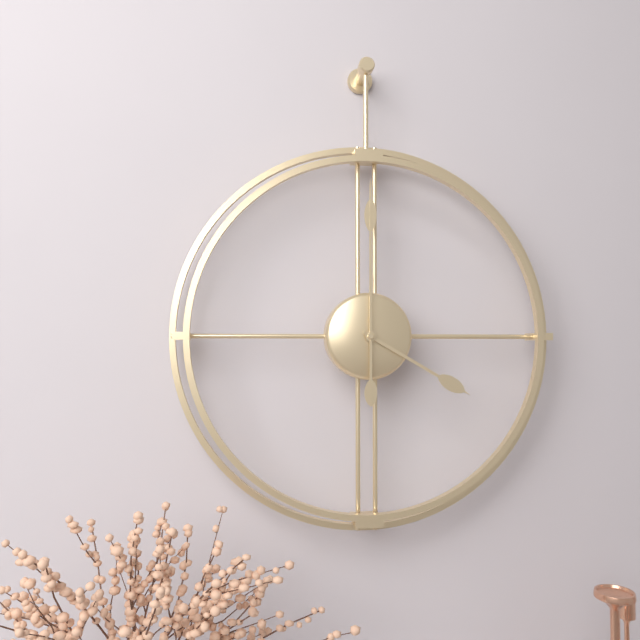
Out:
4.00
